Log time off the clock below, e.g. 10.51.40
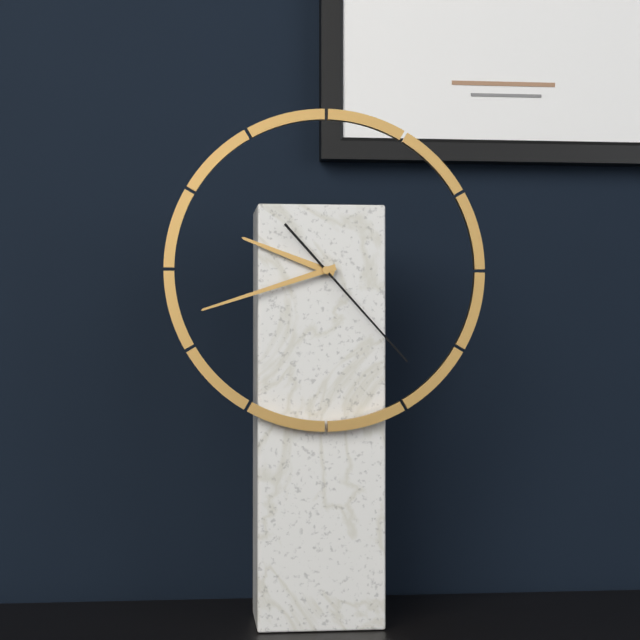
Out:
9.42.23
